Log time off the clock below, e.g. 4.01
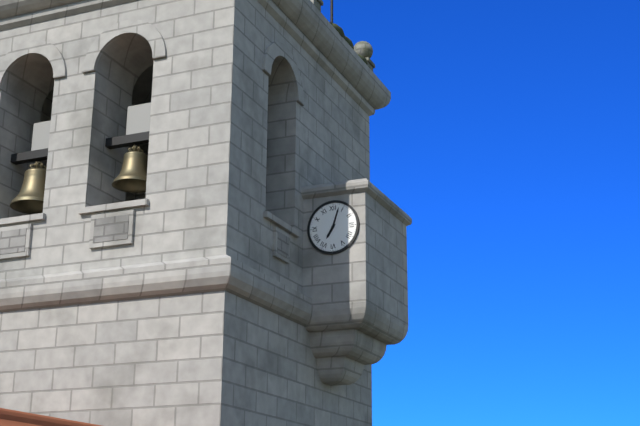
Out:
7.03
